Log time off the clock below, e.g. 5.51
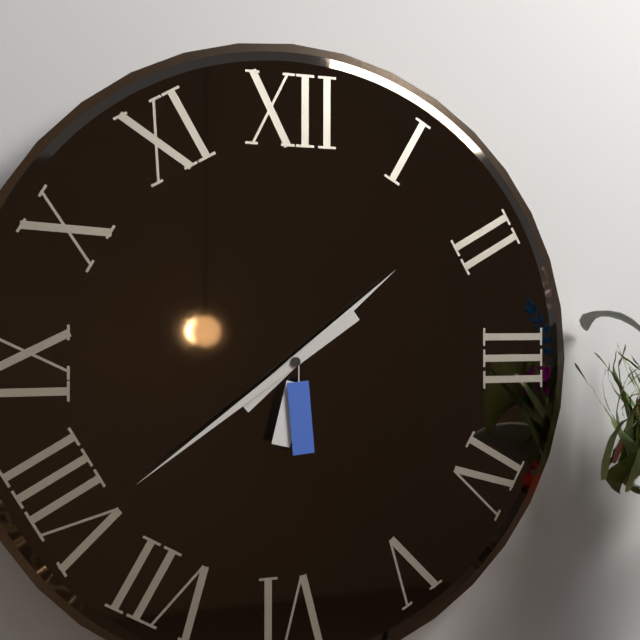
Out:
1.39
